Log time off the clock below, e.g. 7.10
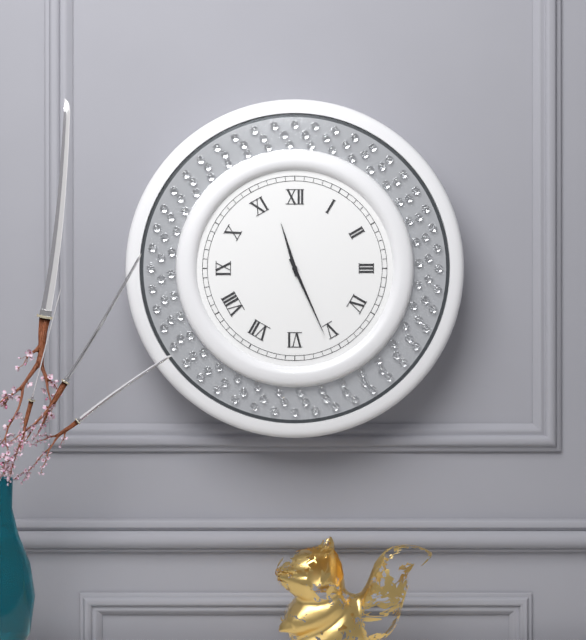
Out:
11.26
